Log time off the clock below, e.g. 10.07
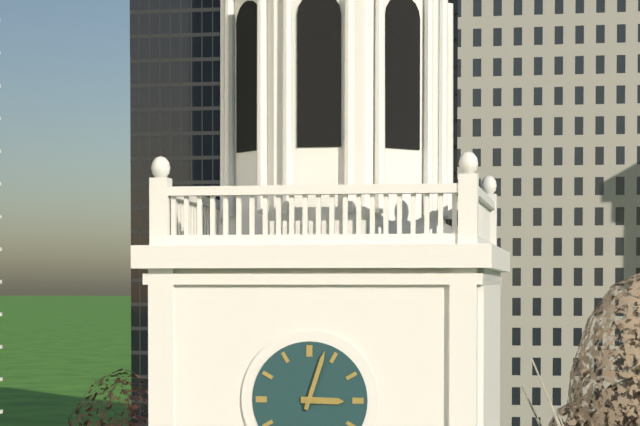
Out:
3.03
